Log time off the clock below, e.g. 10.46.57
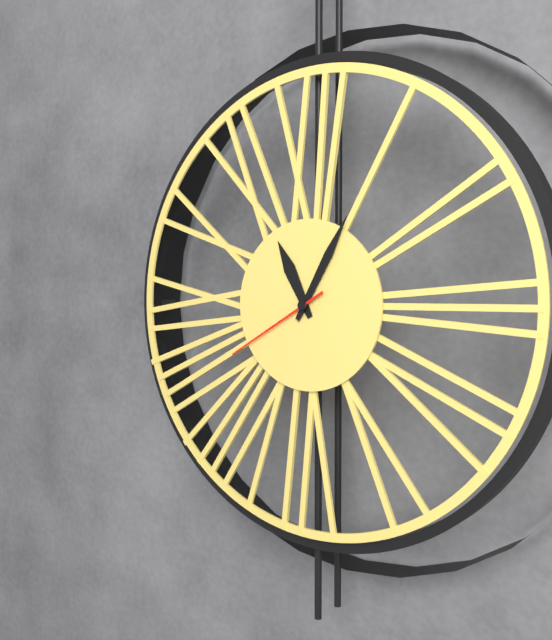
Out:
11.05.40
